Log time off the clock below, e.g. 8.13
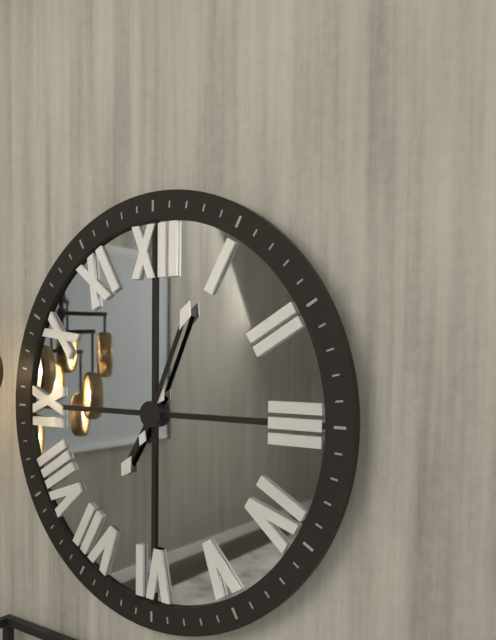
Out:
7.04
